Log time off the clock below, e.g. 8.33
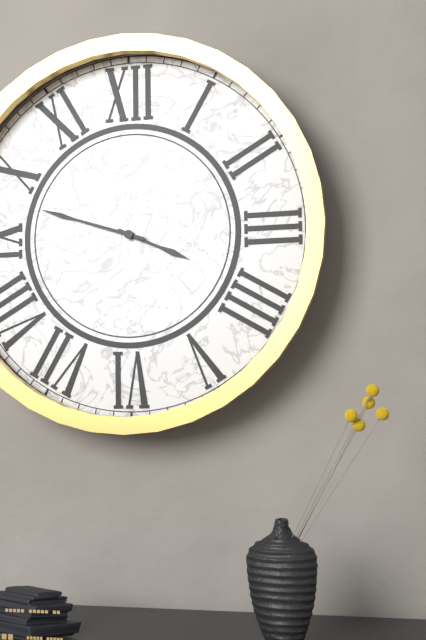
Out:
3.48
